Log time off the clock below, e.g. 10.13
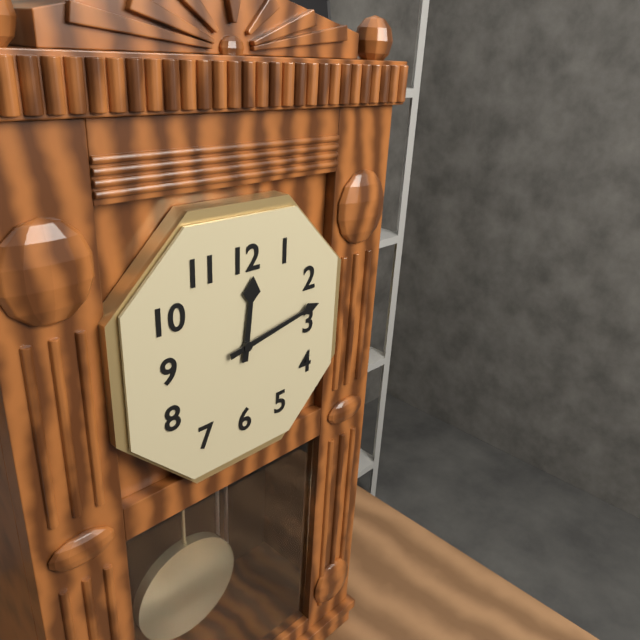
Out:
12.13
